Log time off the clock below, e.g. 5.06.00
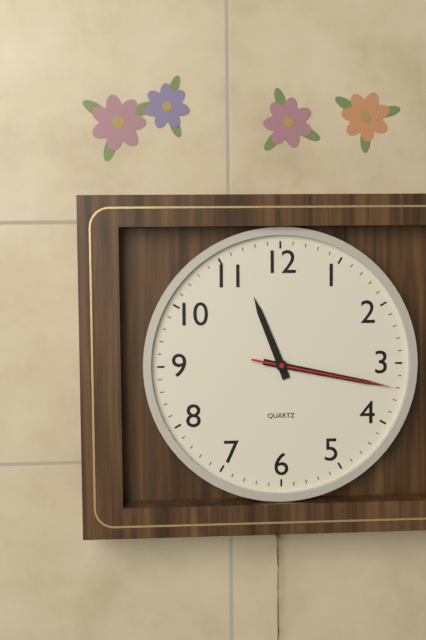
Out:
11.17.17
